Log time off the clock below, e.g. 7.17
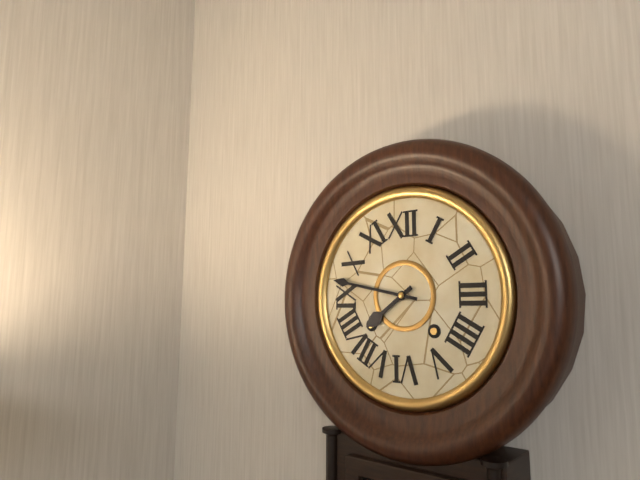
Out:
7.47
